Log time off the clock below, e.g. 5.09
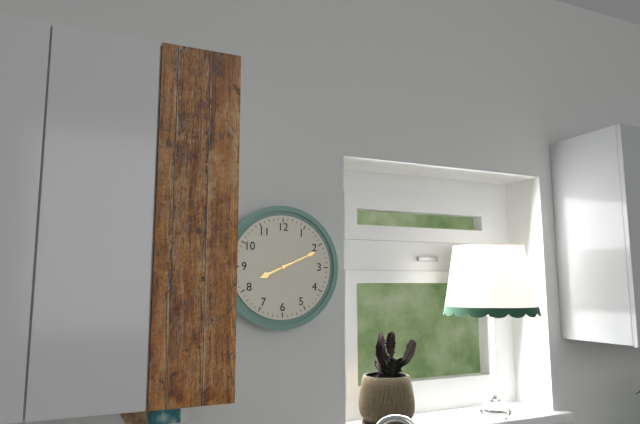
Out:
8.11
